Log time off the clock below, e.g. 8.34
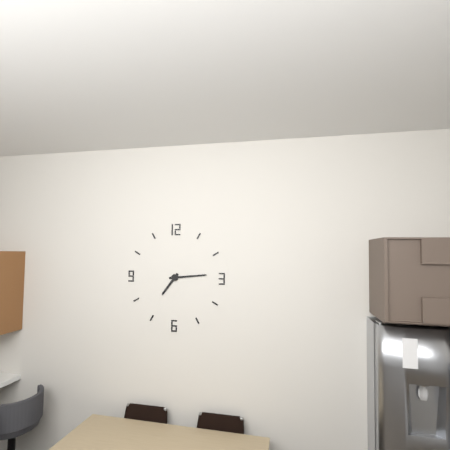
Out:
7.14
